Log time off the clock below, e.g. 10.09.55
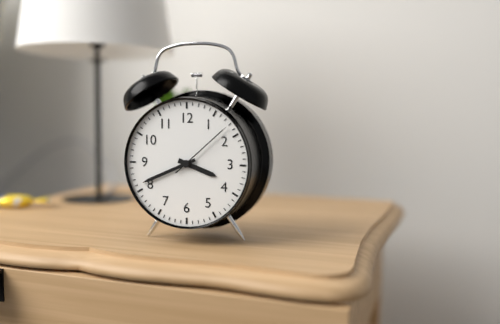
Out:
3.41.08
